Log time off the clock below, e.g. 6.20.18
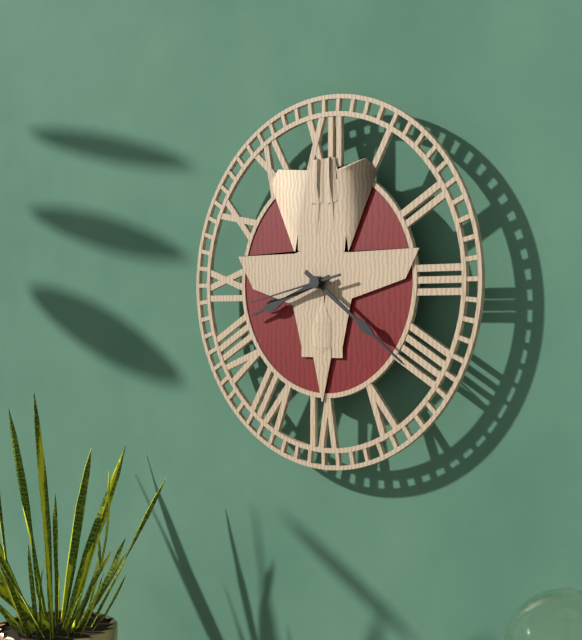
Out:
8.21.43
